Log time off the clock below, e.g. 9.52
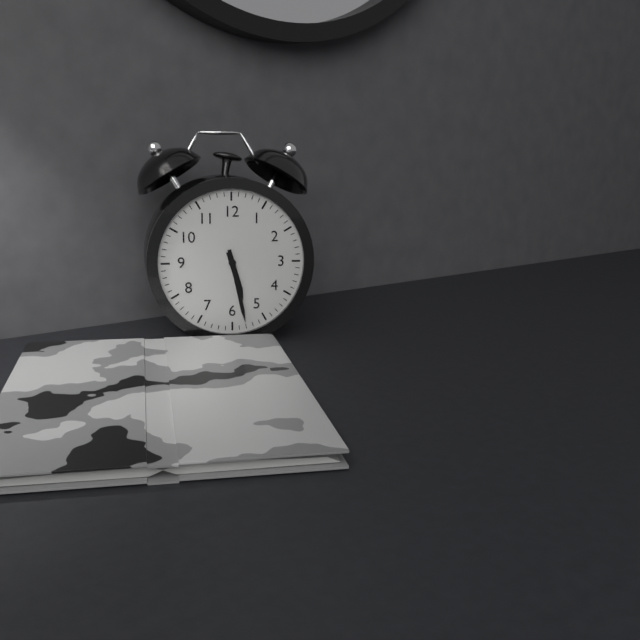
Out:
5.28
